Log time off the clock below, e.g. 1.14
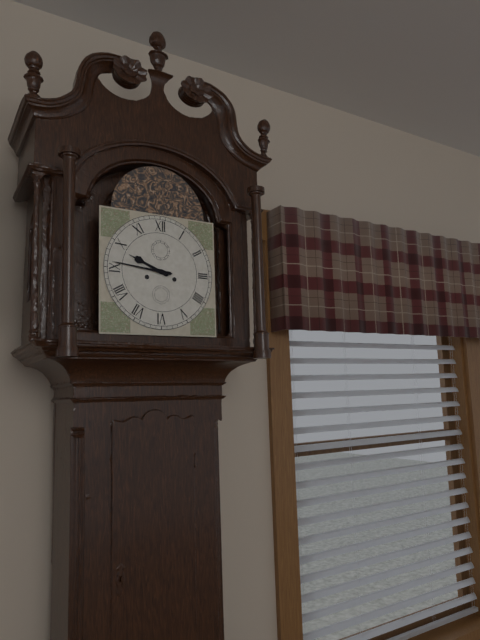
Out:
9.46
